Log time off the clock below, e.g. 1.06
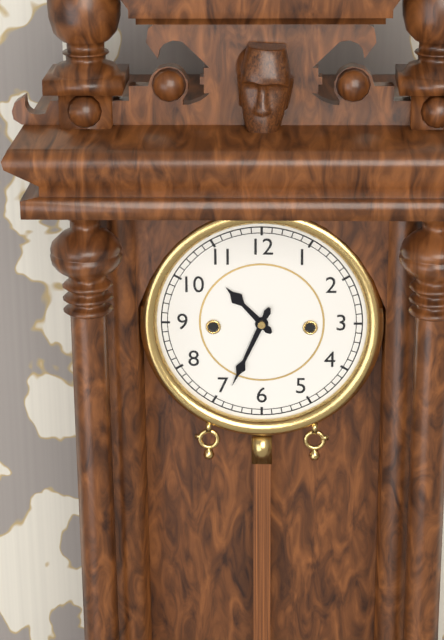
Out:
10.34
